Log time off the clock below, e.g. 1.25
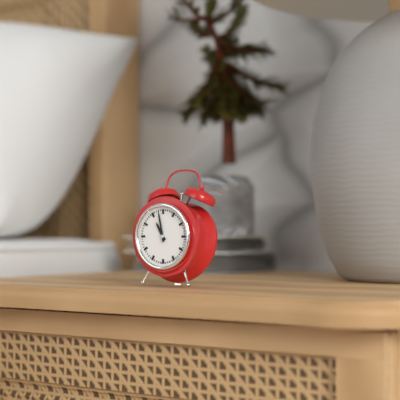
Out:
10.58
